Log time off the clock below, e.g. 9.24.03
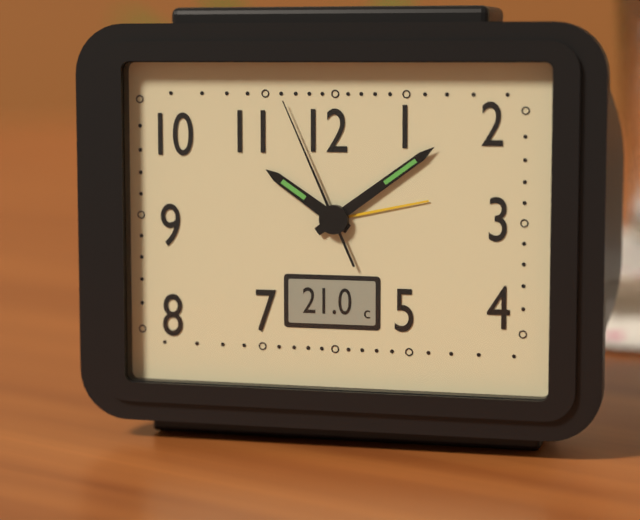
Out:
10.09.56
